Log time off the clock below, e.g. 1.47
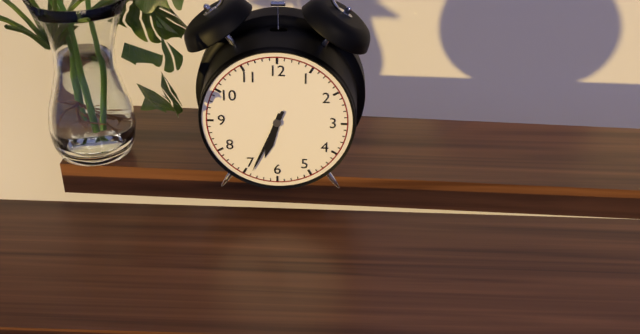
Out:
6.34
